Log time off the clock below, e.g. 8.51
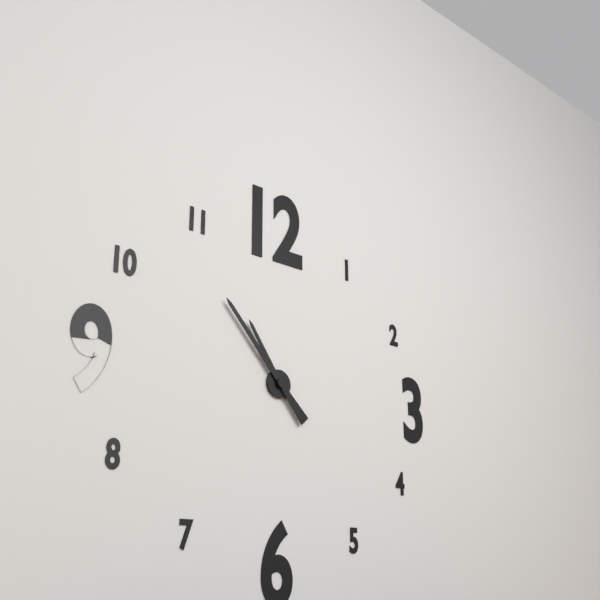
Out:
10.53
